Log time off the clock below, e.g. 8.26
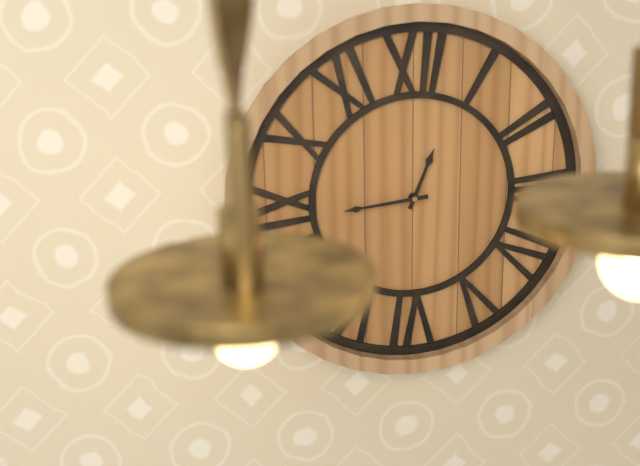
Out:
12.44
